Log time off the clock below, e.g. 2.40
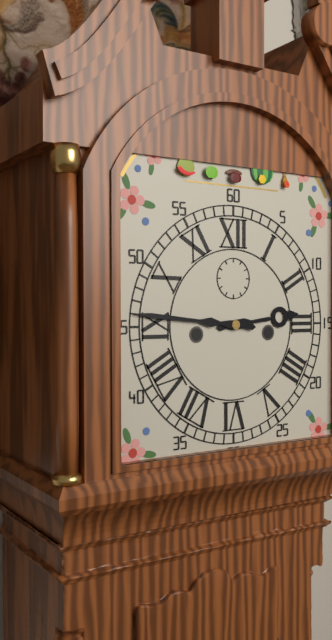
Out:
2.46
